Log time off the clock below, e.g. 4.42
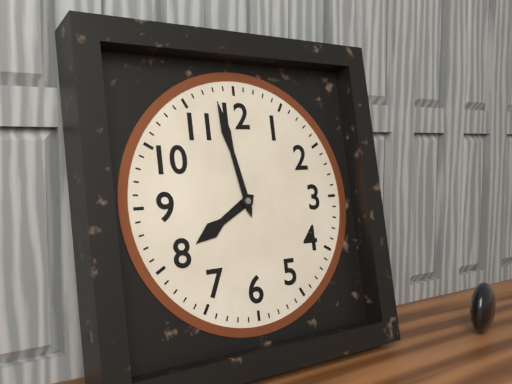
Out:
7.58
